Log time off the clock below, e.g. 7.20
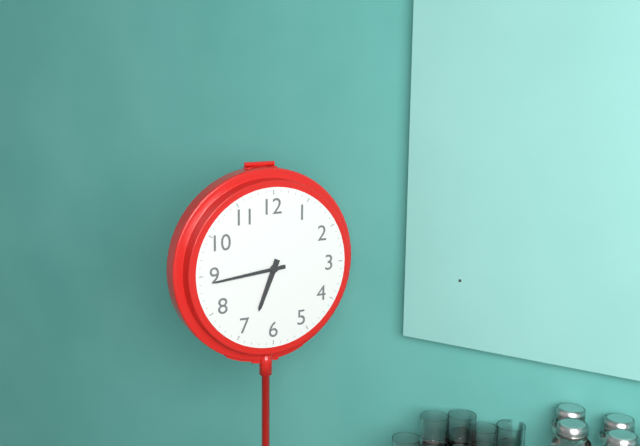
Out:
6.44
